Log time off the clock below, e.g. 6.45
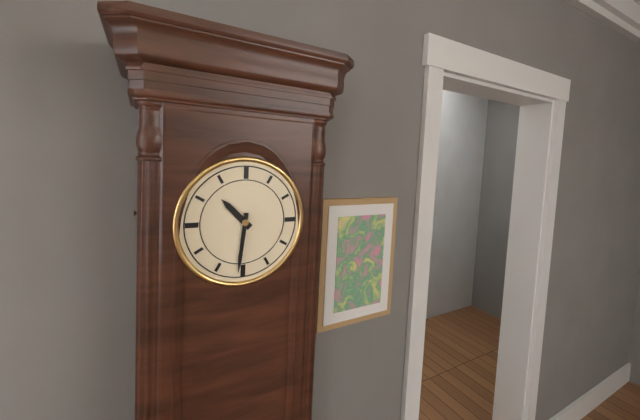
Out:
10.31
